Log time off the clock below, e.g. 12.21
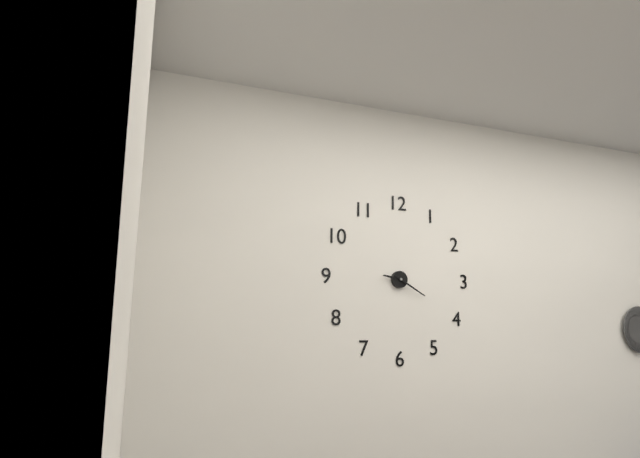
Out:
9.20
